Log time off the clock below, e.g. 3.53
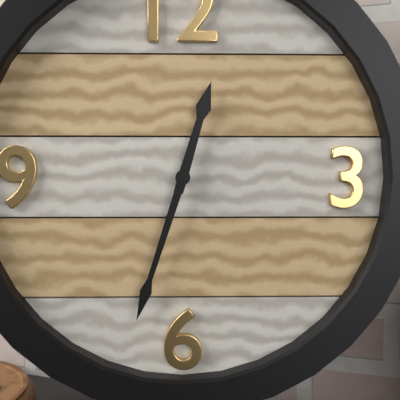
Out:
12.33
